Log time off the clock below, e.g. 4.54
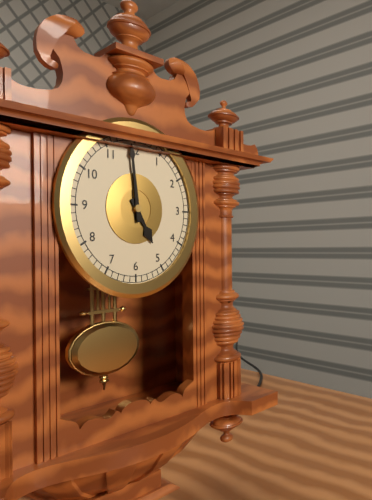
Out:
4.59
